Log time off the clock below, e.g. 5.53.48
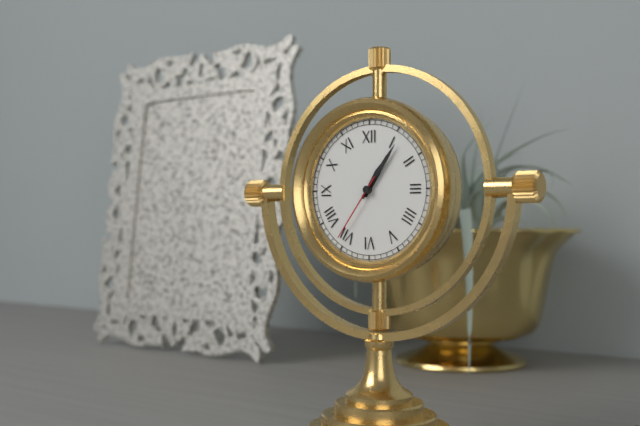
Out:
1.06.36
